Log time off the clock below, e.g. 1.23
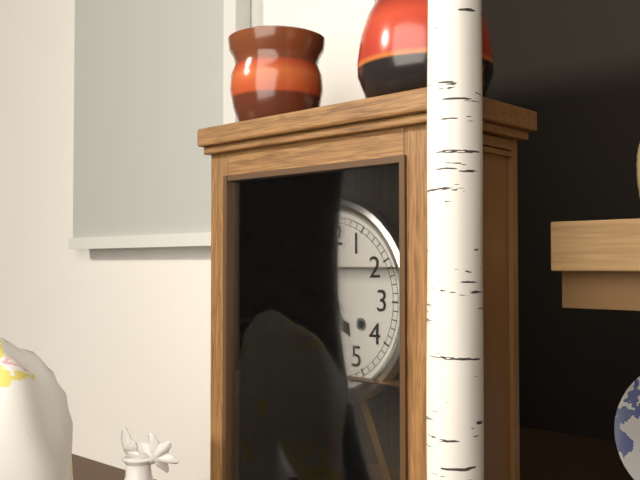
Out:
4.51
